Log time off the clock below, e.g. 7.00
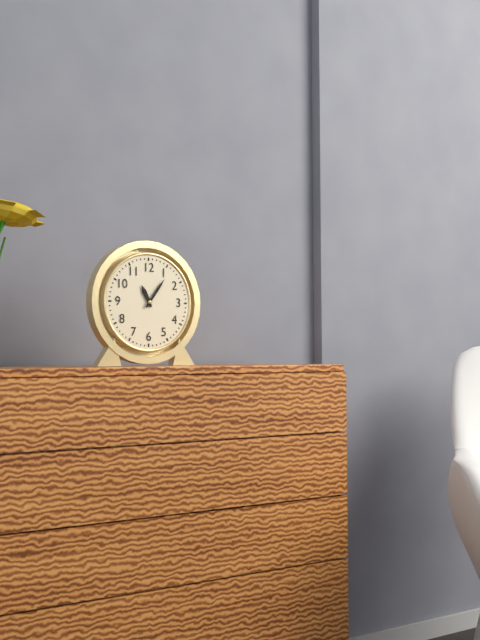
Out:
11.06
